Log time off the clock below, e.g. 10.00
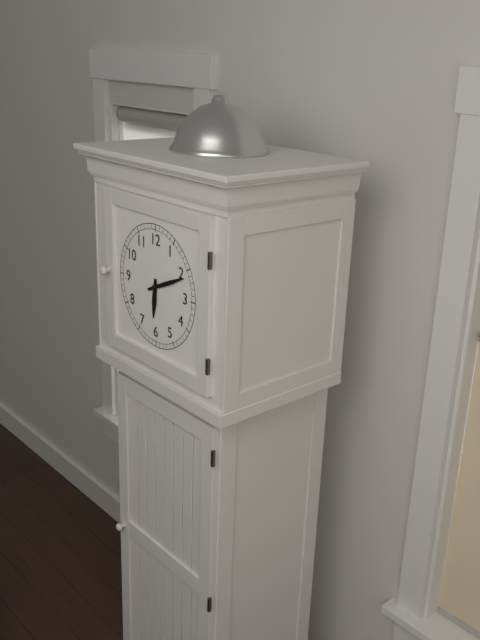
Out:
6.11
